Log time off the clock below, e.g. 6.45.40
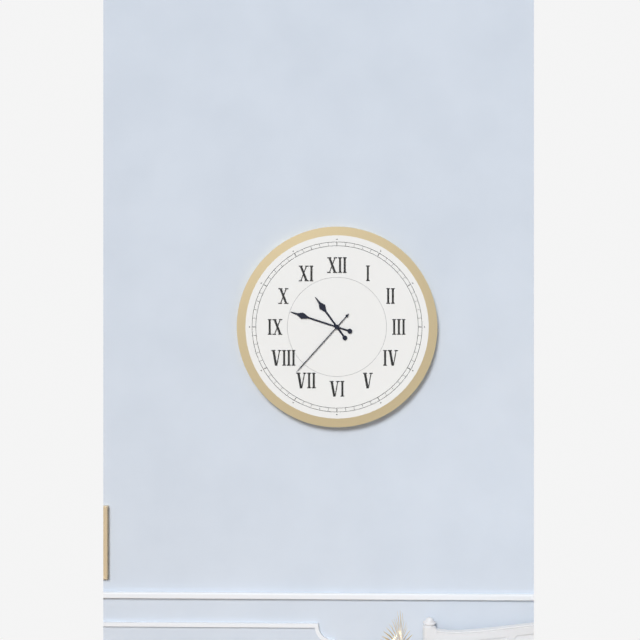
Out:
10.48.37
